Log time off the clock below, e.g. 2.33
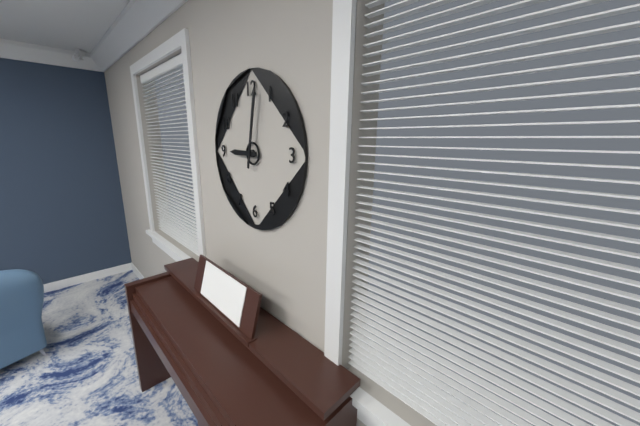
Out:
9.02
